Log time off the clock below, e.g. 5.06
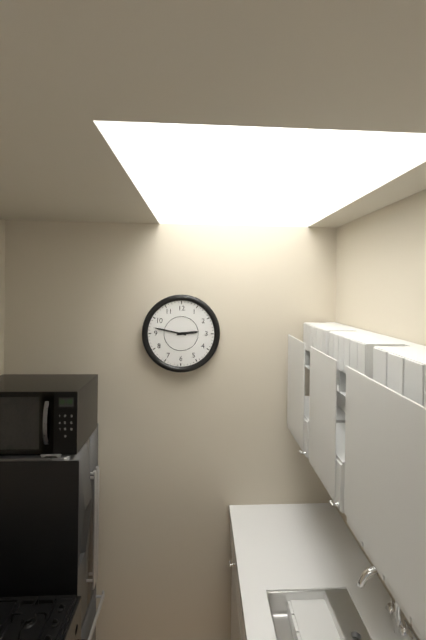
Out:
2.47
